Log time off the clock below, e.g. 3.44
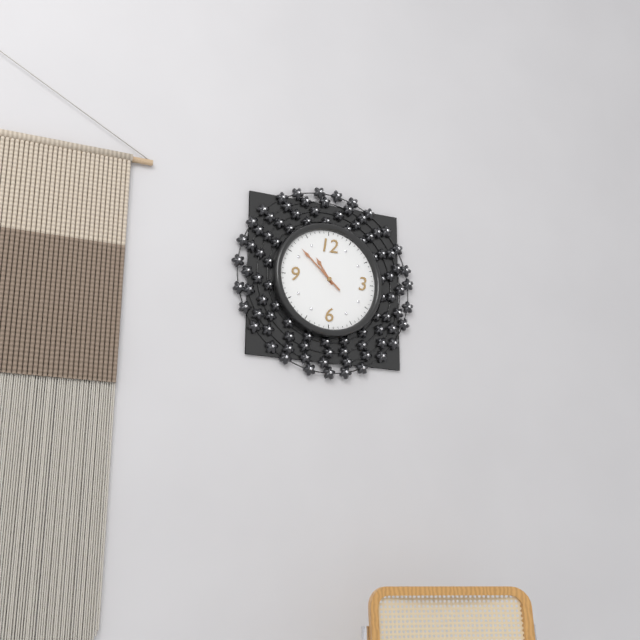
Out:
10.52
